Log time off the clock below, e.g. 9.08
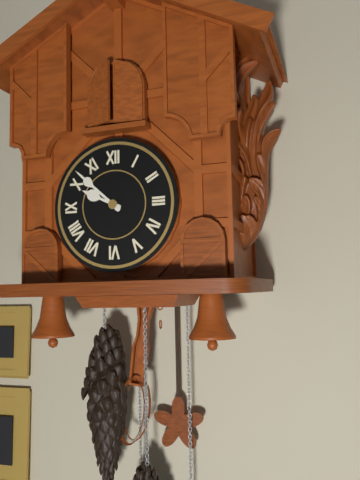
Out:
9.52
